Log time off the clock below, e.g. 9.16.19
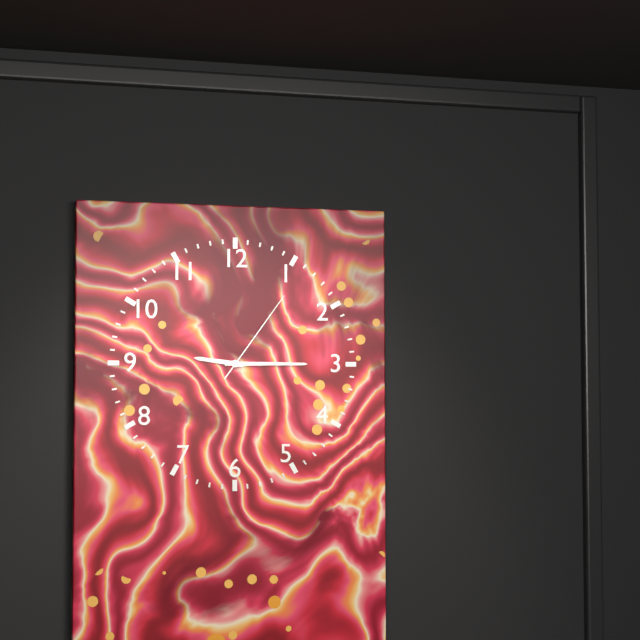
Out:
9.15.06
